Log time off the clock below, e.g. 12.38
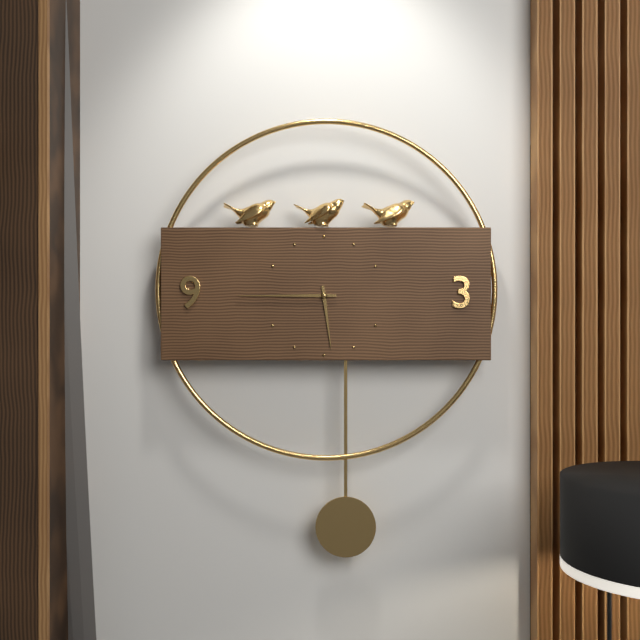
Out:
5.45
